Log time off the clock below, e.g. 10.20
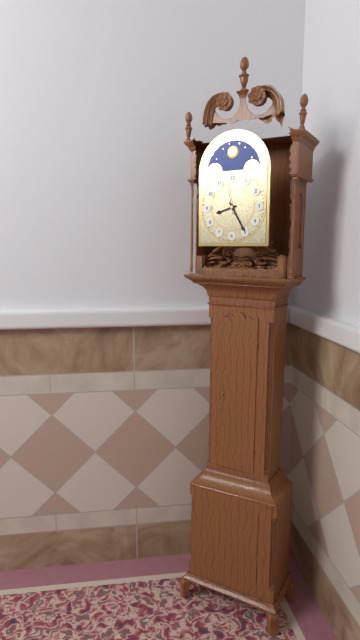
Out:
8.25
